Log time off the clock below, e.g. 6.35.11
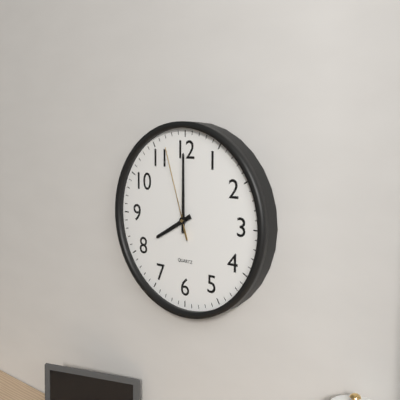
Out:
8.00.57
